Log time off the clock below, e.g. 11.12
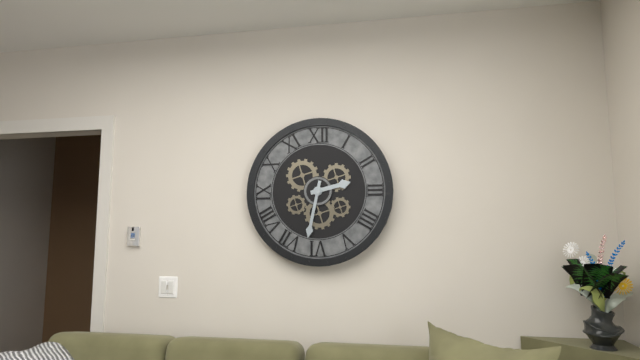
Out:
2.32
